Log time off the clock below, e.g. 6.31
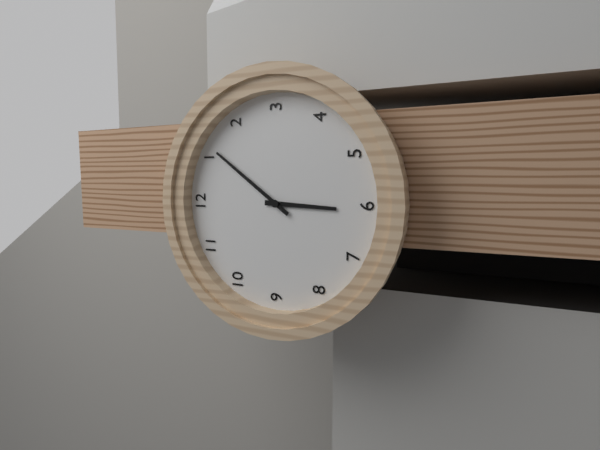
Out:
6.06
